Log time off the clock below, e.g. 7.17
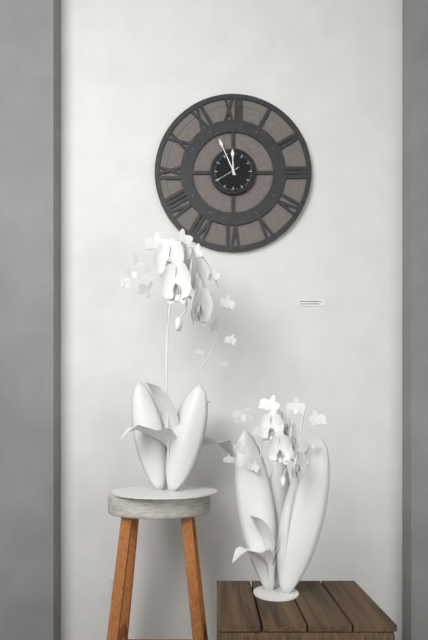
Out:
11.56
